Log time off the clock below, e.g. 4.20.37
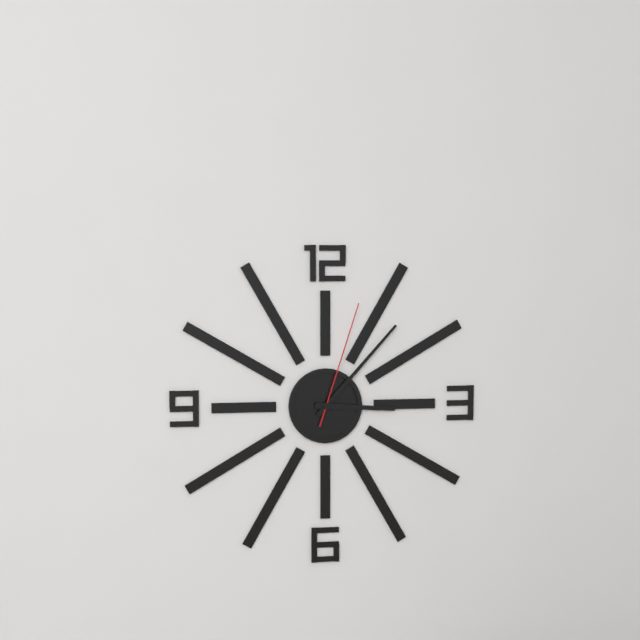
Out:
3.07.03
